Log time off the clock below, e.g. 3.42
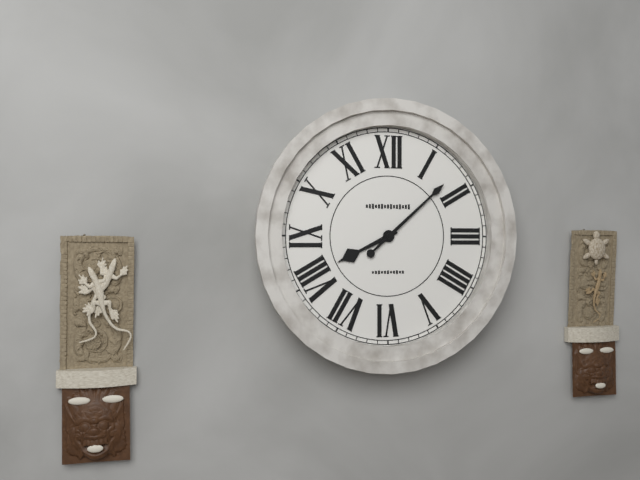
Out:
8.08
